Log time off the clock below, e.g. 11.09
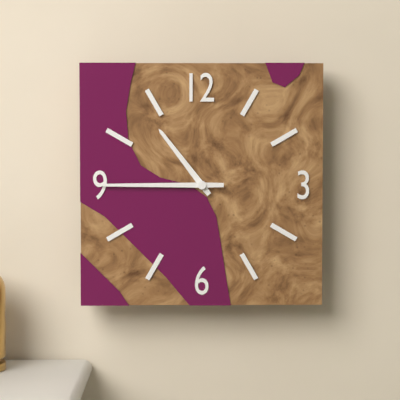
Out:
10.45
